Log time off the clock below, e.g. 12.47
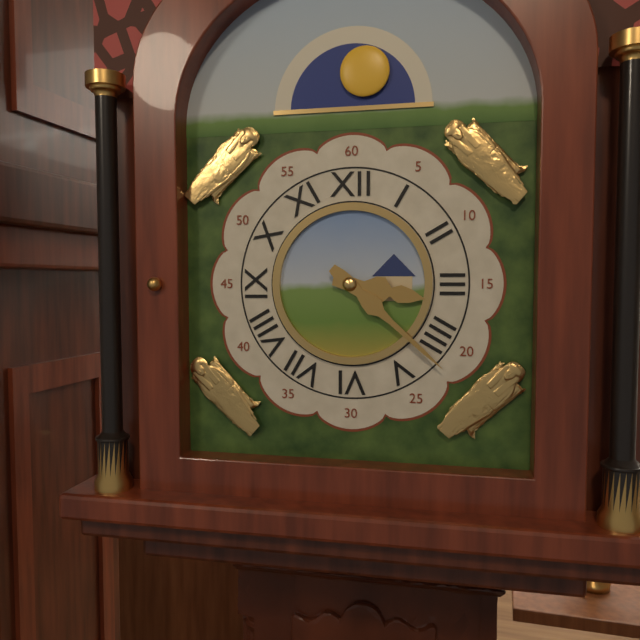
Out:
3.22
